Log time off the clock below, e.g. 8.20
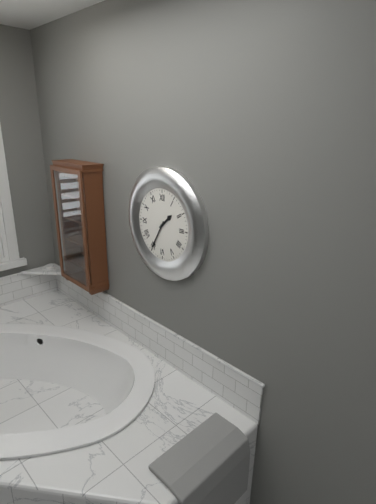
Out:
1.35
